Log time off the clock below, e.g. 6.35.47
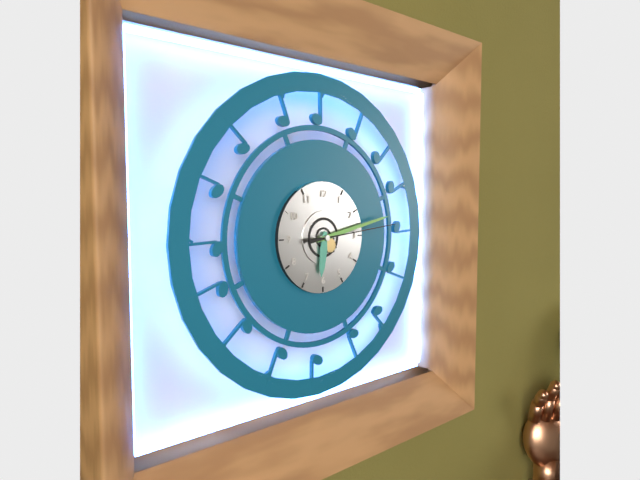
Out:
6.13.14
